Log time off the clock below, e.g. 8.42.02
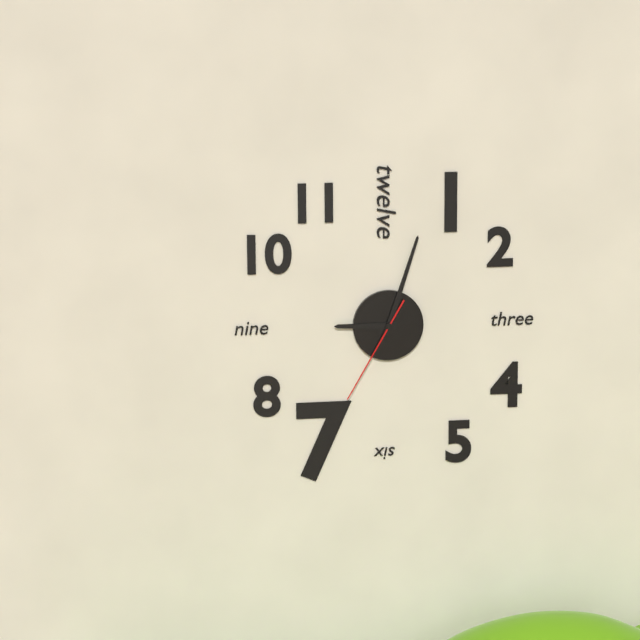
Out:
9.03.35
